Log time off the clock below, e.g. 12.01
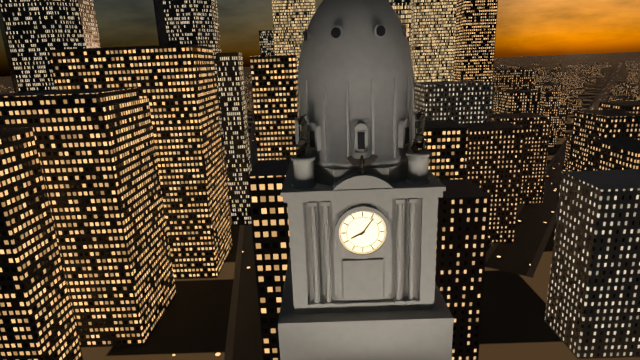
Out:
8.06
